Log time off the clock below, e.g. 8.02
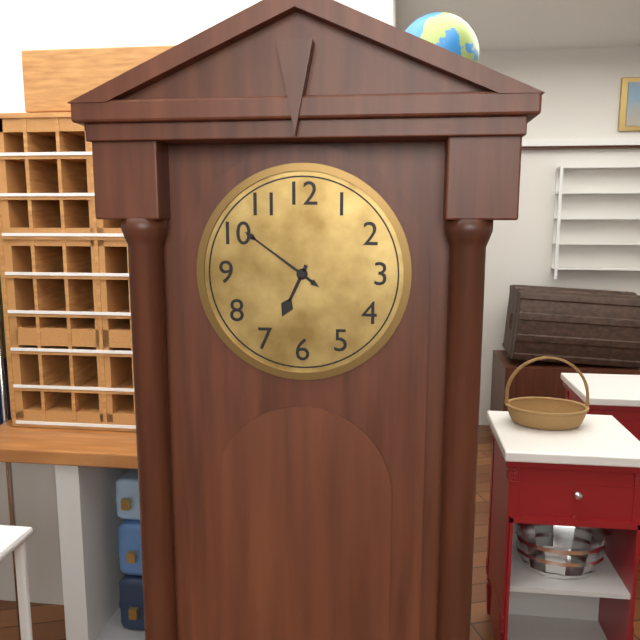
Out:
6.51
